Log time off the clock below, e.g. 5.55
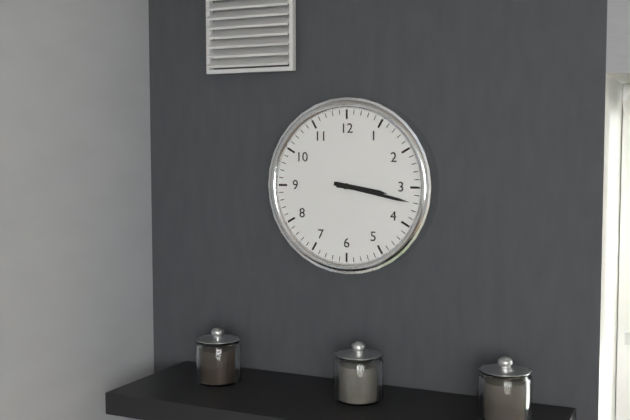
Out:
3.17
